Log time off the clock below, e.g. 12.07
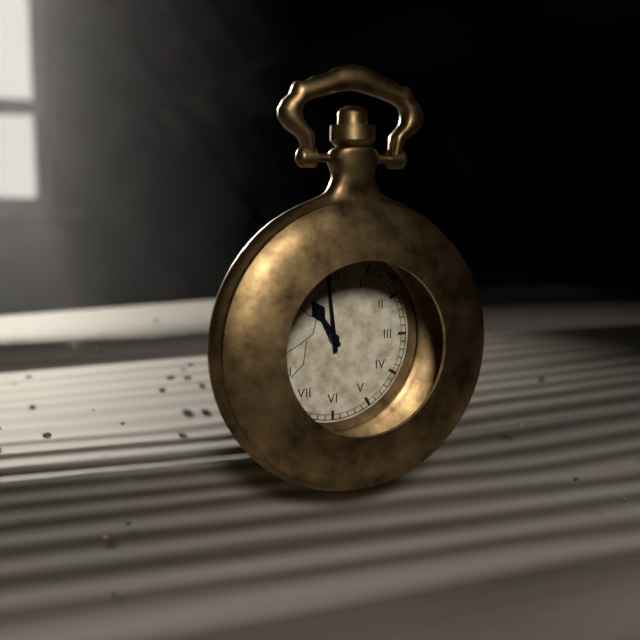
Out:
10.59
